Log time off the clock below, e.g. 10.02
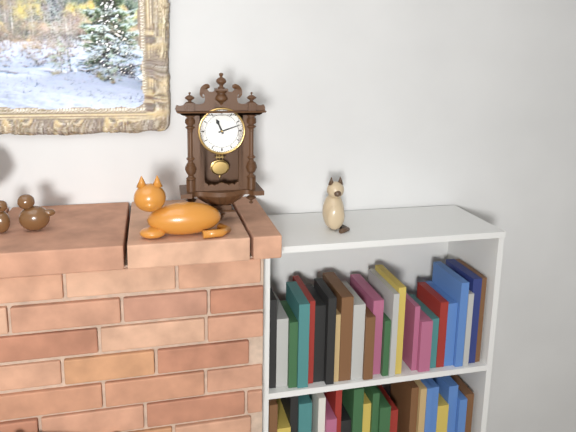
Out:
11.12
